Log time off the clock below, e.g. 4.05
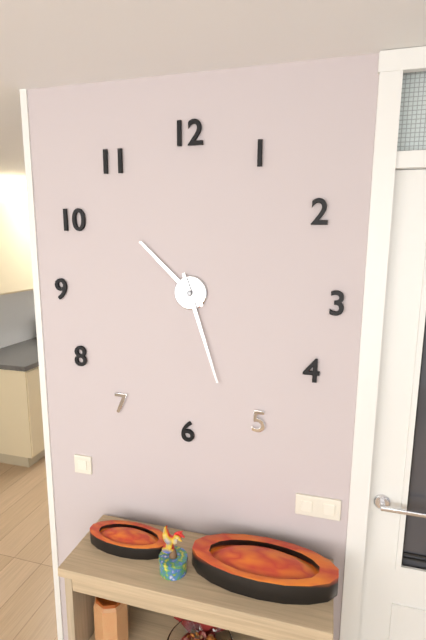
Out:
10.27
